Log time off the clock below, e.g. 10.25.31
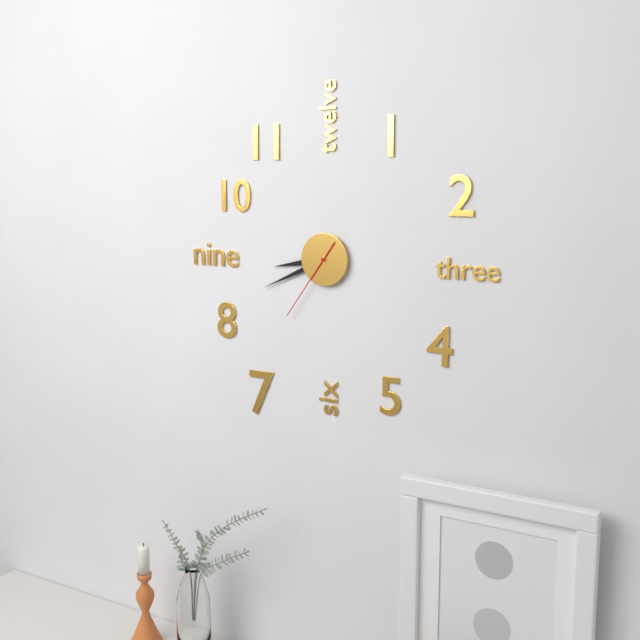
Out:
8.41.36
